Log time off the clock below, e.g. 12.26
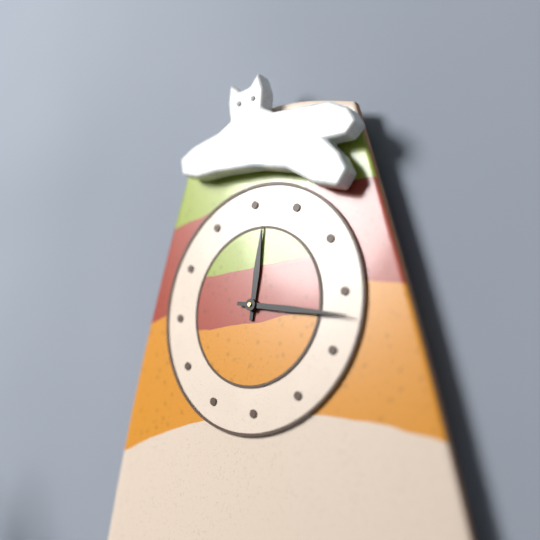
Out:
12.17
